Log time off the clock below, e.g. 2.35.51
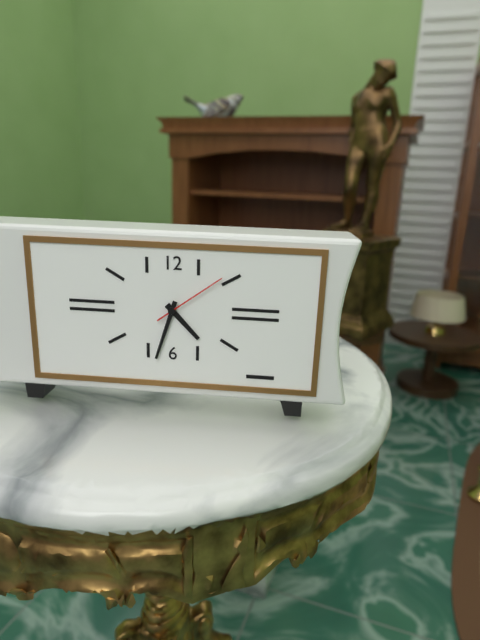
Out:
4.33.09
